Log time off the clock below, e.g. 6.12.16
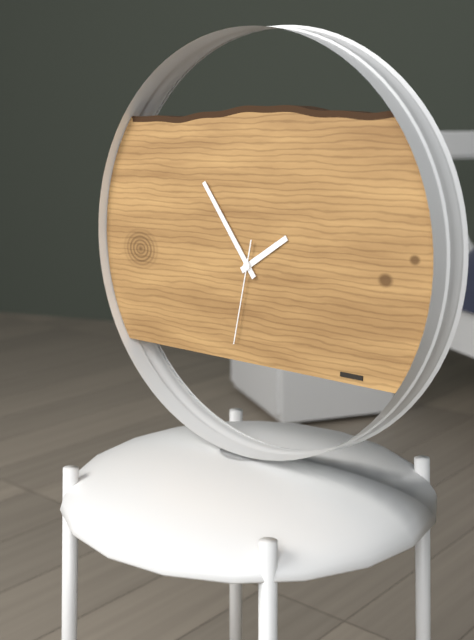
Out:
1.54.32
